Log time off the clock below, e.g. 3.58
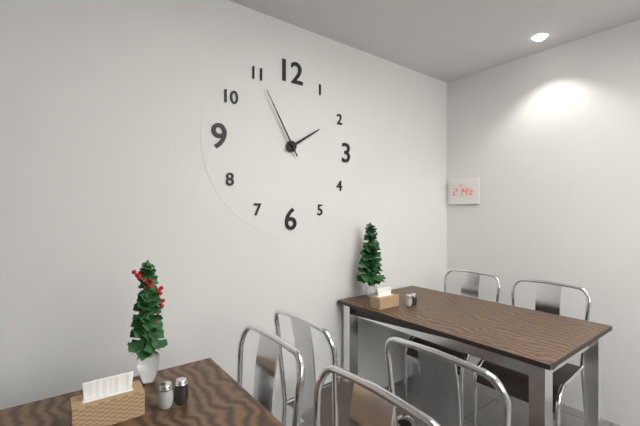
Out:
1.55
